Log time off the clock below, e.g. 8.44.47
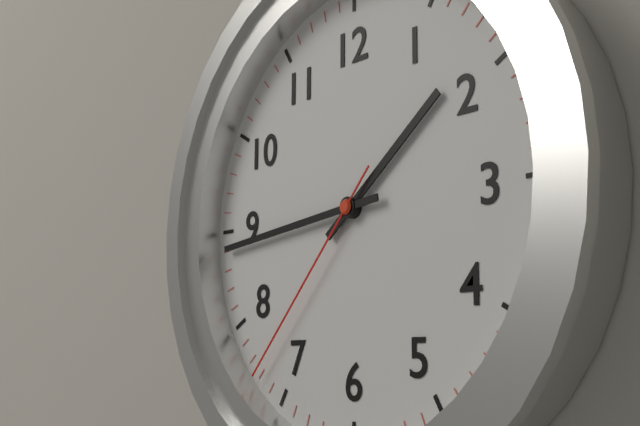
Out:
1.44.37
